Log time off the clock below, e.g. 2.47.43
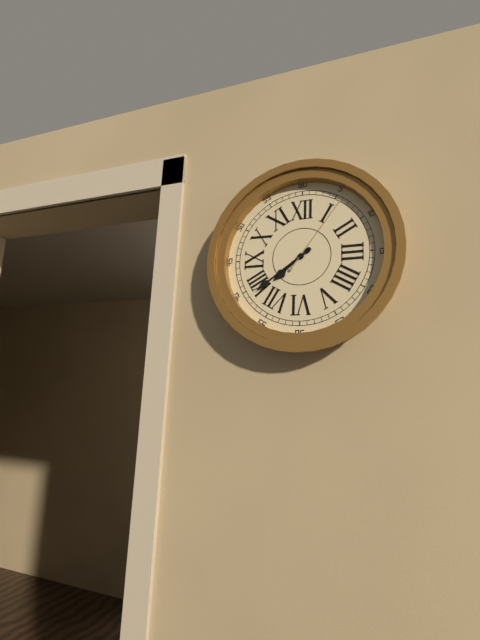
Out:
7.39.06
